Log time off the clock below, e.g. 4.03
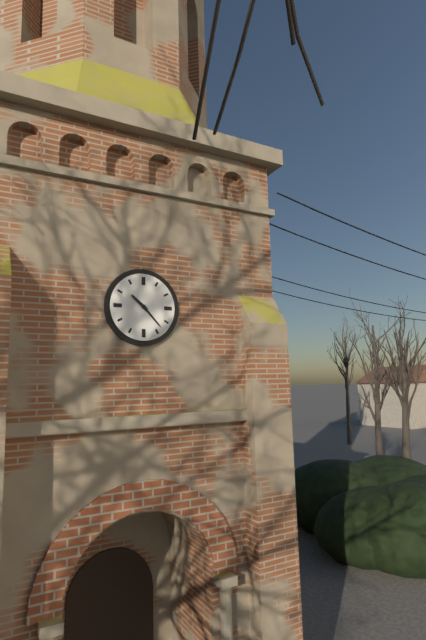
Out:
10.23
